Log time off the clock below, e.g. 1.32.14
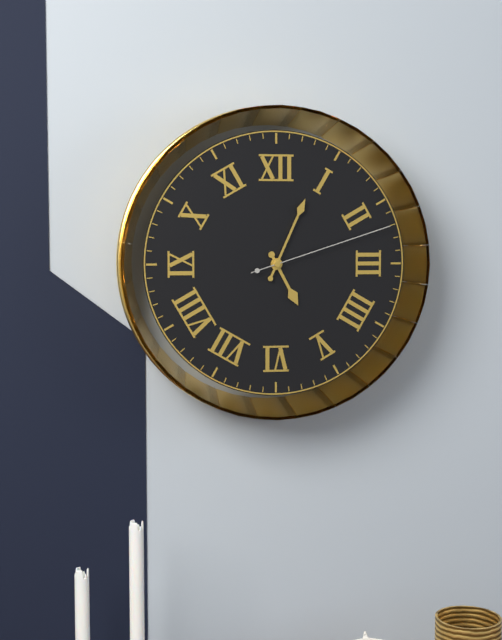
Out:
5.04.12
